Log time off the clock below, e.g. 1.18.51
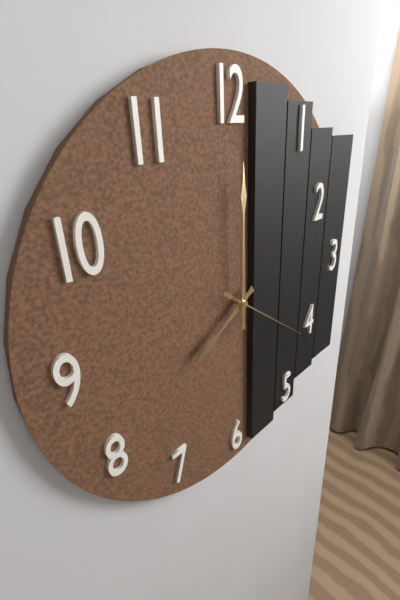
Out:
8.00.21
